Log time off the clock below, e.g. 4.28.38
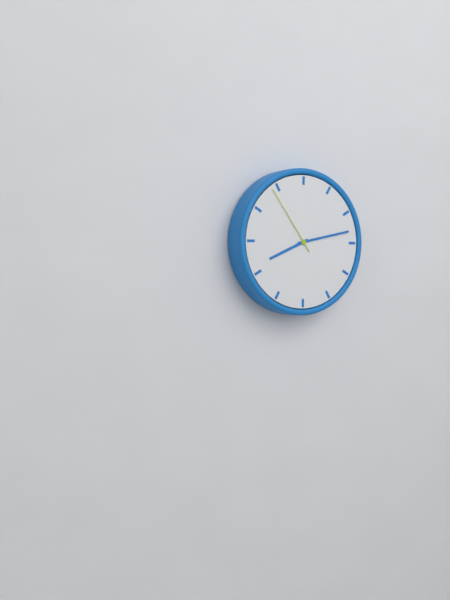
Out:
8.13.54
